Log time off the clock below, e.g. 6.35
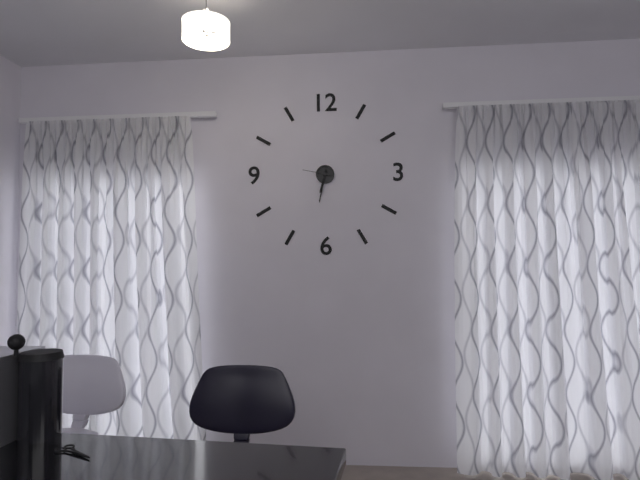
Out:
6.32
